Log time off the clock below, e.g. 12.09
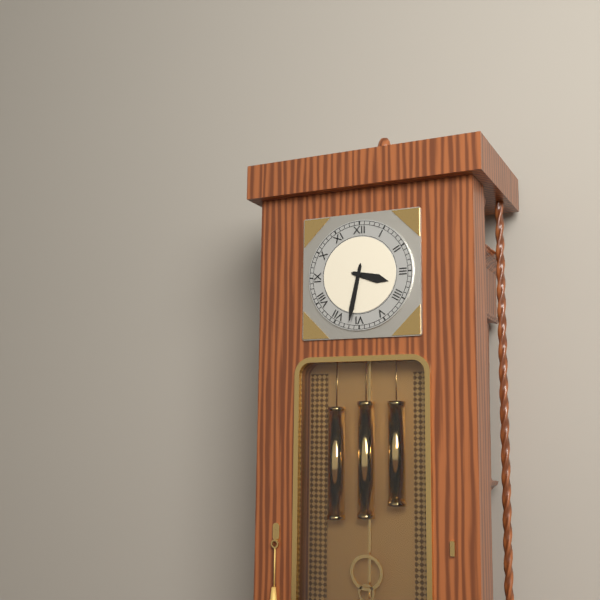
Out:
3.32
